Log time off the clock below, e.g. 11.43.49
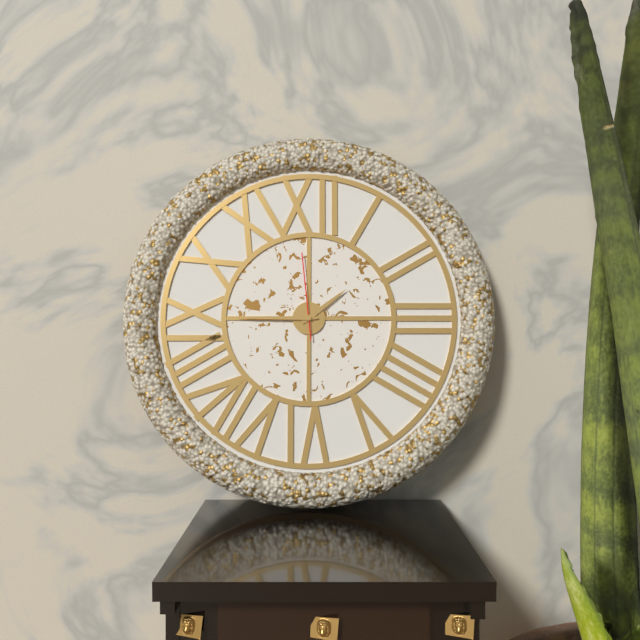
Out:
1.45.59
